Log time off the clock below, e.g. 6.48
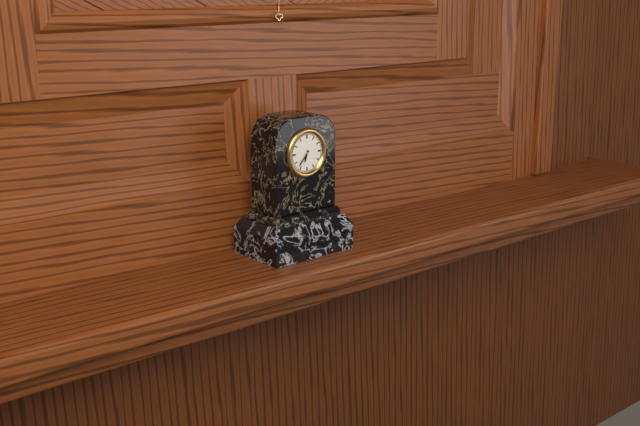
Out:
6.37
